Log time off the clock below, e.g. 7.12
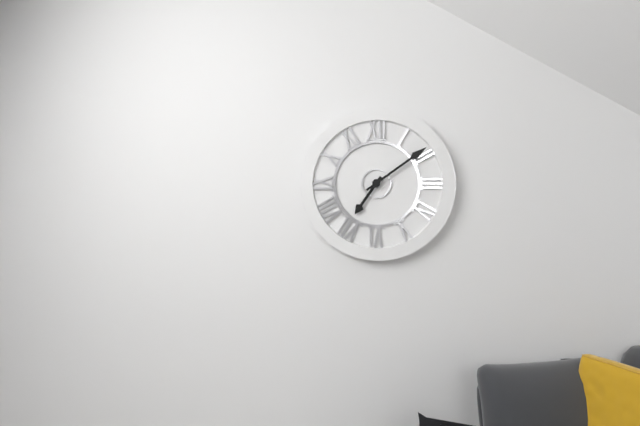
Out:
7.09
